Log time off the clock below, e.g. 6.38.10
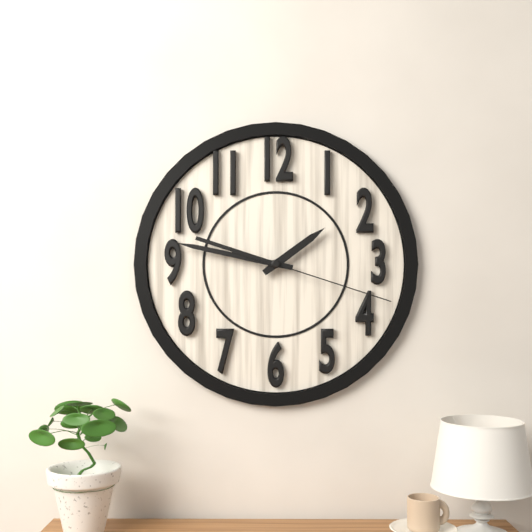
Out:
1.47.18
